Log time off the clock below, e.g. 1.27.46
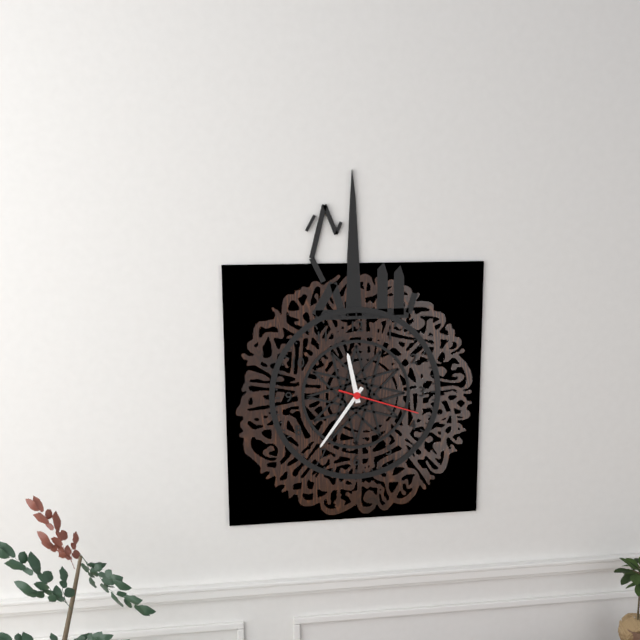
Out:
11.36.18
